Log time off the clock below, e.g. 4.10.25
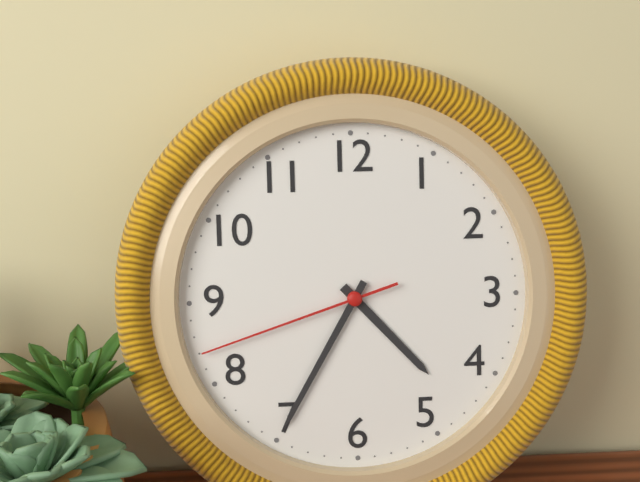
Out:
4.35.42
